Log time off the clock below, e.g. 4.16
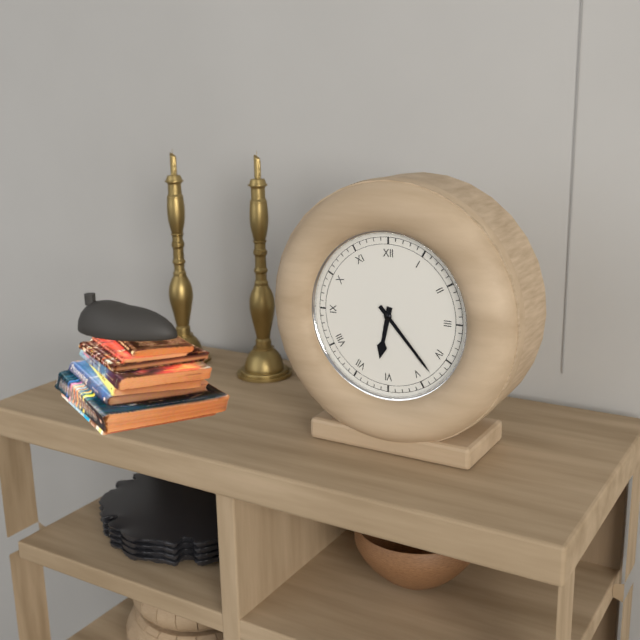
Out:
6.23
